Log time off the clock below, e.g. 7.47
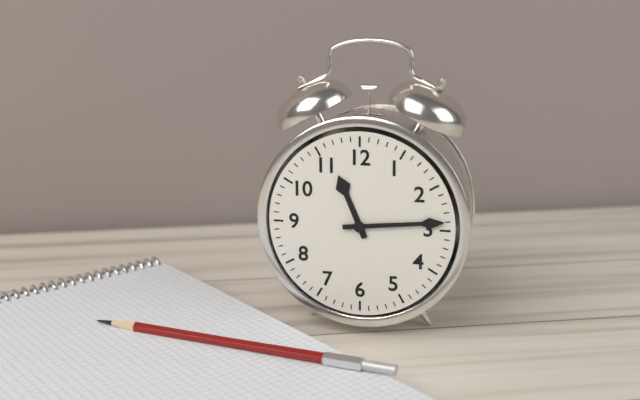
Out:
11.14
